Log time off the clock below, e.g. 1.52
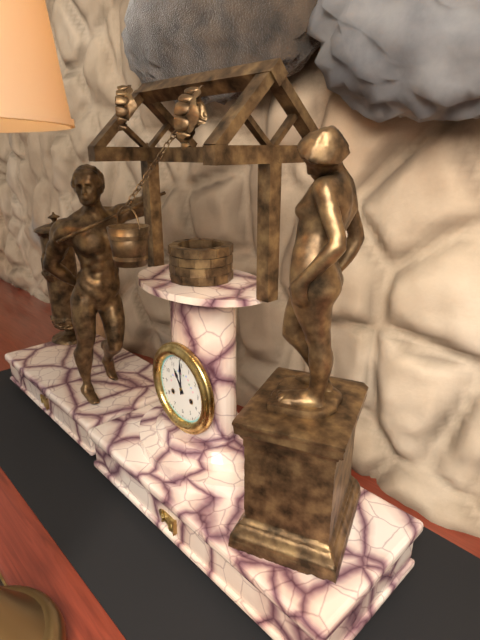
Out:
11.00
